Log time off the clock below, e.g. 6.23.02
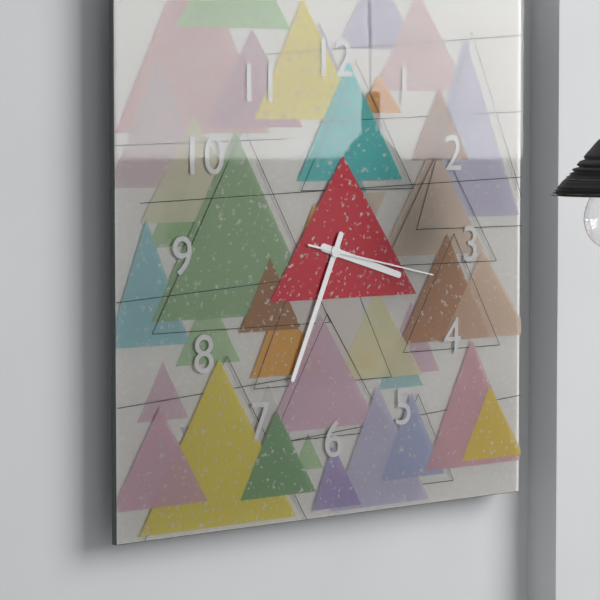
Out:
3.34.17
